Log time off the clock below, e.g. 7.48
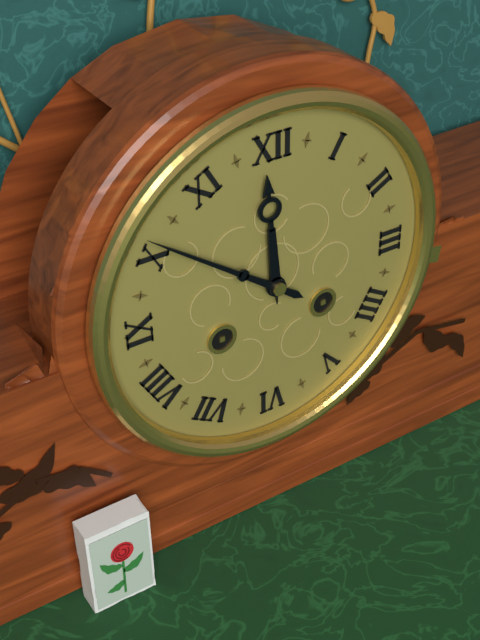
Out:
11.51
